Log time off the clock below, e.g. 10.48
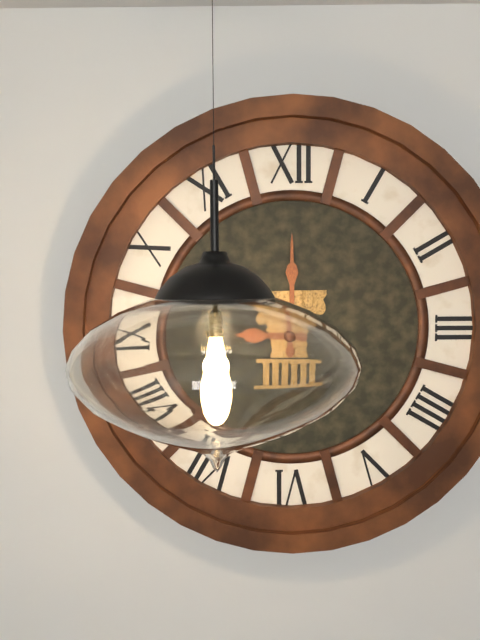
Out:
9.00
